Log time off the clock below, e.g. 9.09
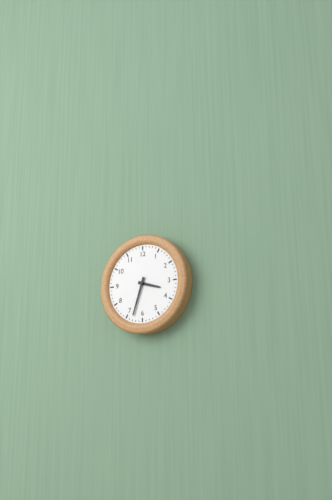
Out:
3.33
